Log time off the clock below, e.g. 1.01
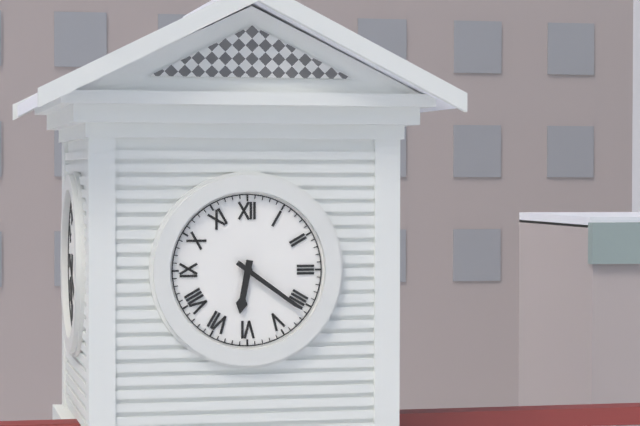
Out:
6.21
